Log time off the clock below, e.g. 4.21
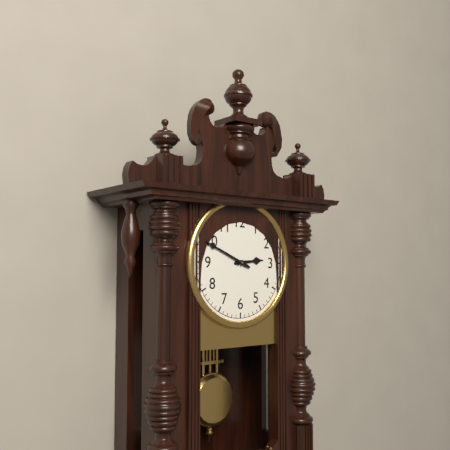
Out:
2.49
